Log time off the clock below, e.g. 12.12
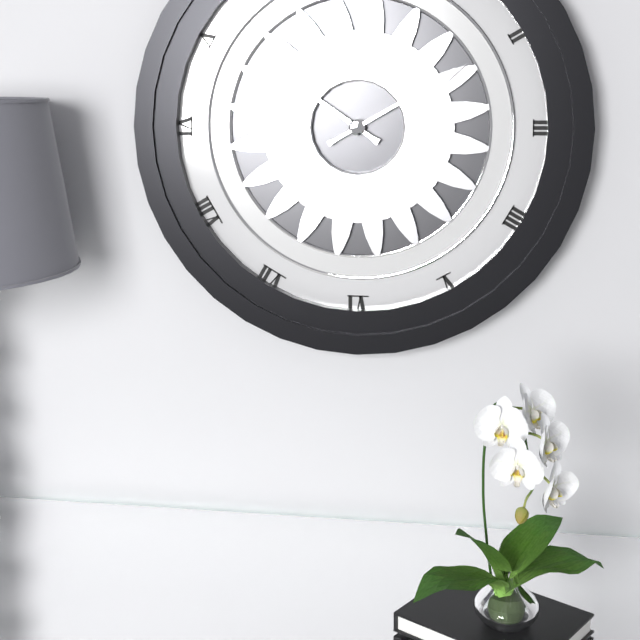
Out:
10.10
